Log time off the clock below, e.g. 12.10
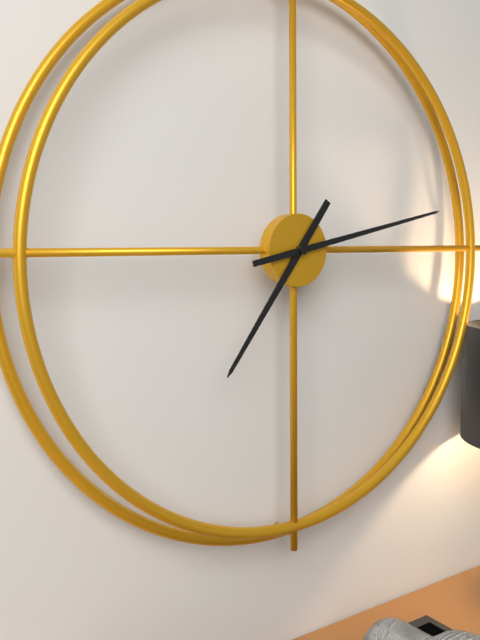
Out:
7.13
